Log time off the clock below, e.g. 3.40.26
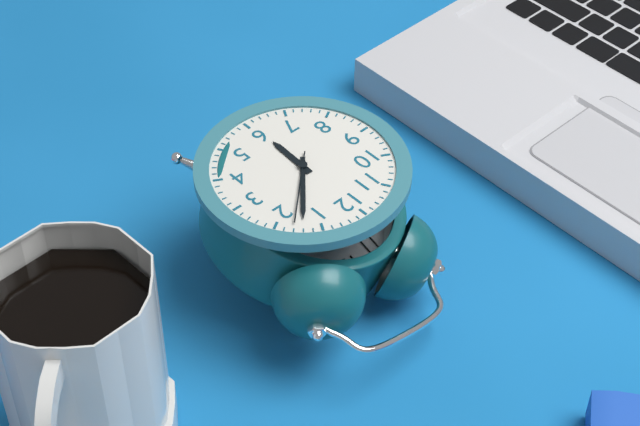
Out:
6.07.08
